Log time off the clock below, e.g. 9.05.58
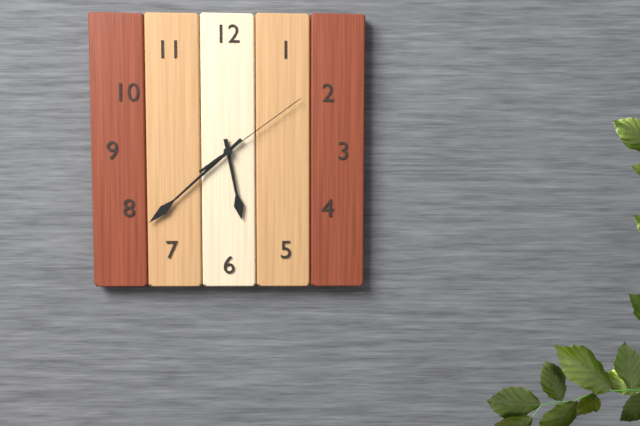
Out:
5.38.09
